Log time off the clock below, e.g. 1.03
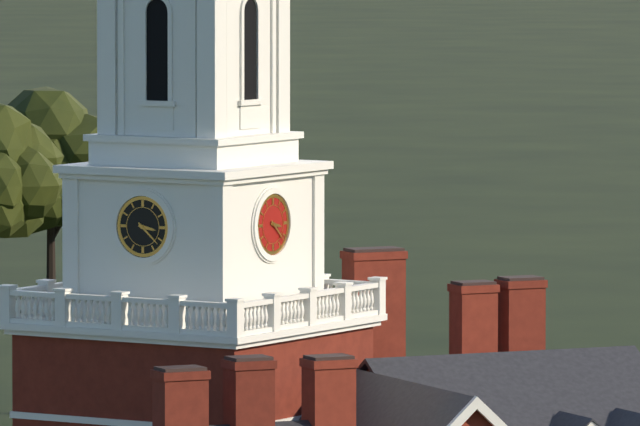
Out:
3.22
